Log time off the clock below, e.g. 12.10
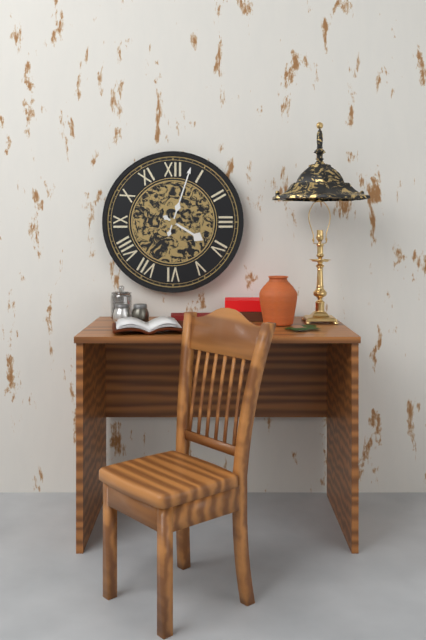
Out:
4.03
